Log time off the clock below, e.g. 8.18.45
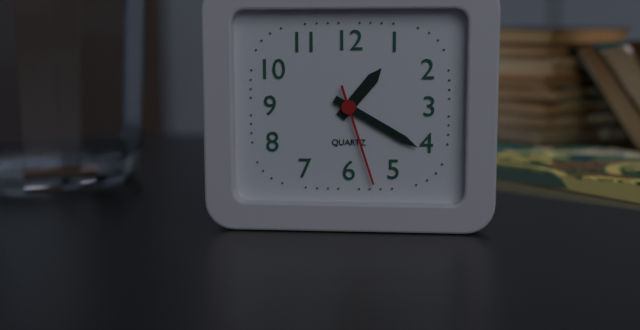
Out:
1.20.27
